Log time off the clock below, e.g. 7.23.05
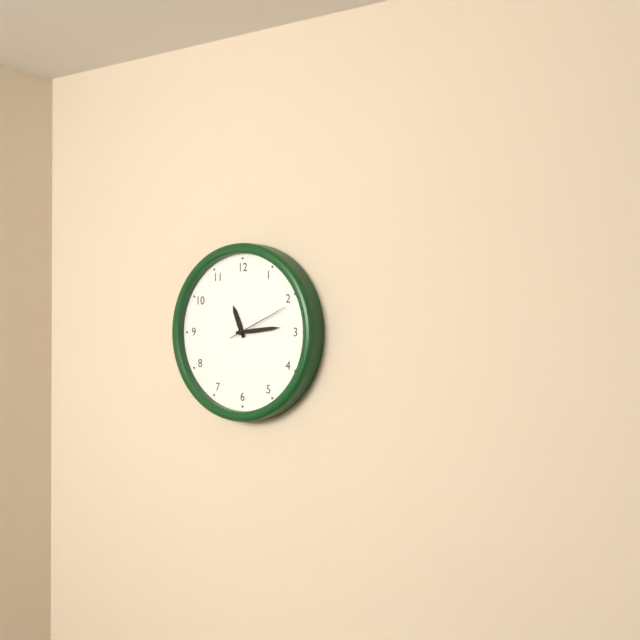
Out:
11.14.11
